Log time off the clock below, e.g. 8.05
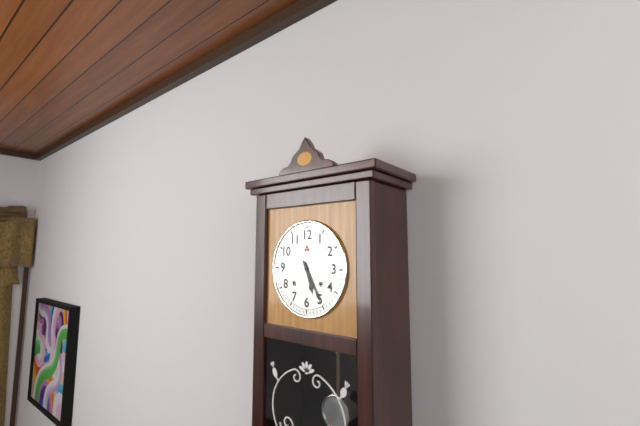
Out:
5.25
